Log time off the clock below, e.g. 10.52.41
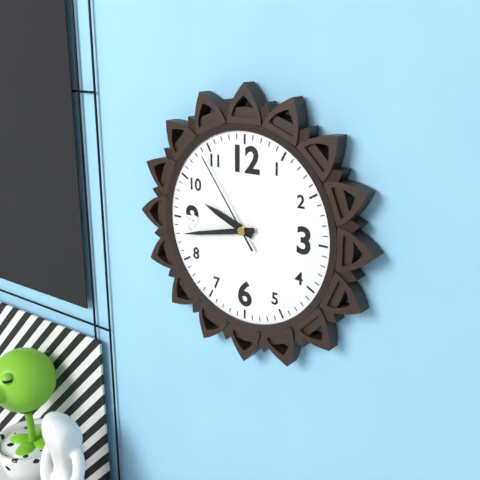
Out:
9.43.54
